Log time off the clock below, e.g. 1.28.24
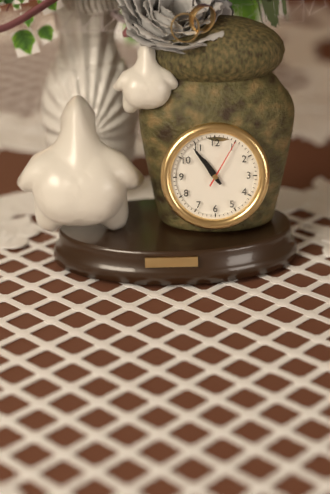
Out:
10.54.05
